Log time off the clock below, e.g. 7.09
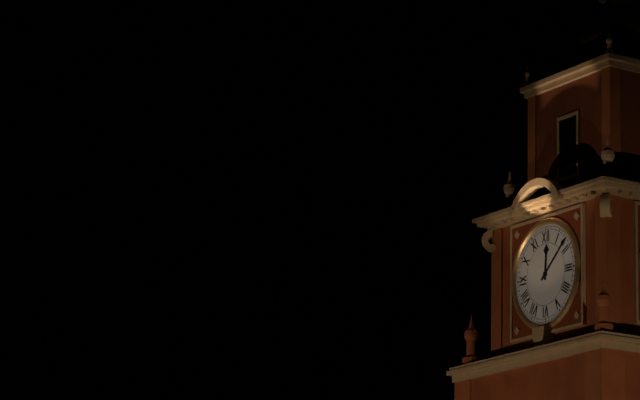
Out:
12.08
